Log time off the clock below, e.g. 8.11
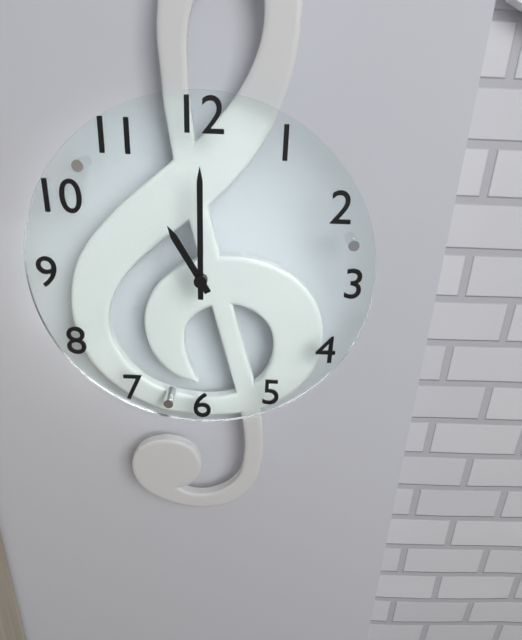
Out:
11.00
